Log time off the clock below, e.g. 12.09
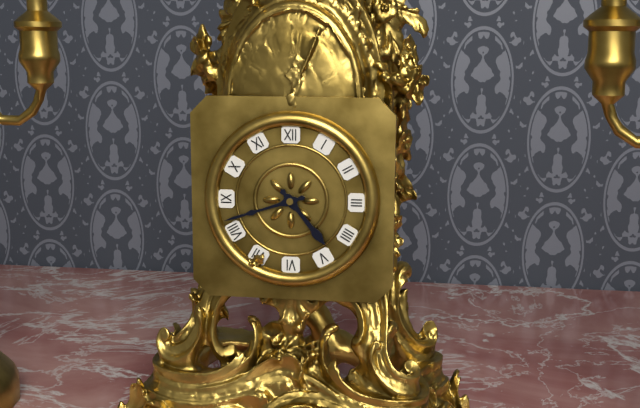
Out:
4.42
